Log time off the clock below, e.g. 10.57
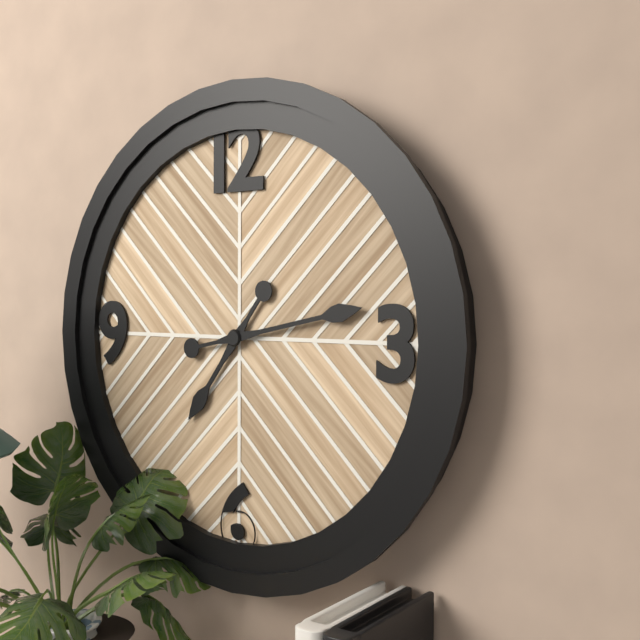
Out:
7.13
